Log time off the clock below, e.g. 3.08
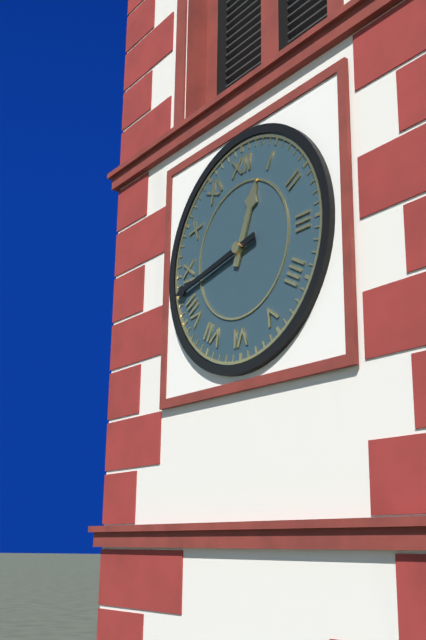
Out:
12.43
